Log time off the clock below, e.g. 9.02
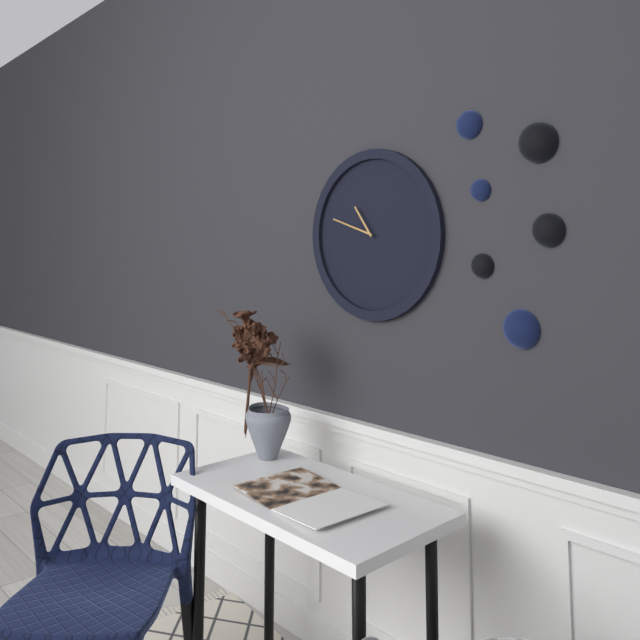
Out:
10.48
